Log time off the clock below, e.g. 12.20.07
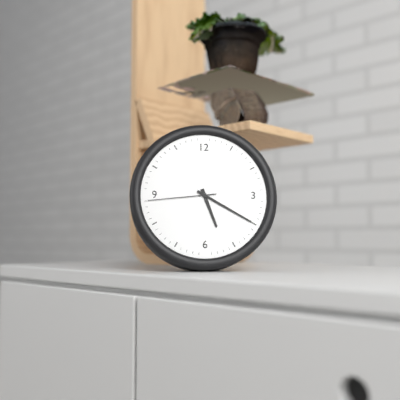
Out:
5.20.44
